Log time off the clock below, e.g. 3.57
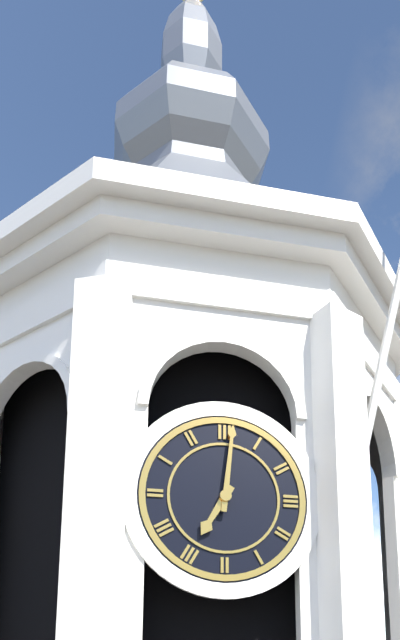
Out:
7.01
